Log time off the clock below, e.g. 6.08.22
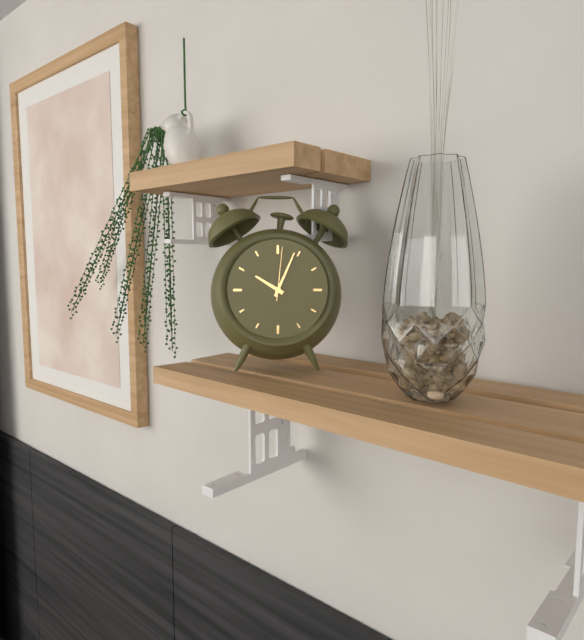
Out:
10.04.01
